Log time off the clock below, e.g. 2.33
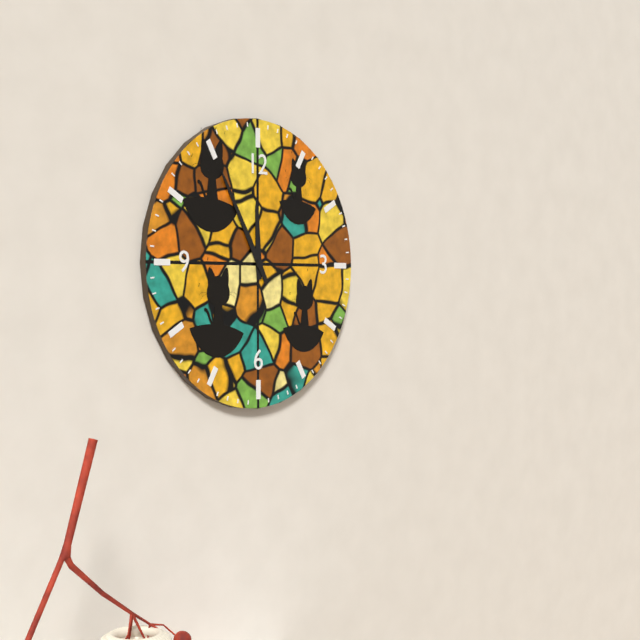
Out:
11.55
